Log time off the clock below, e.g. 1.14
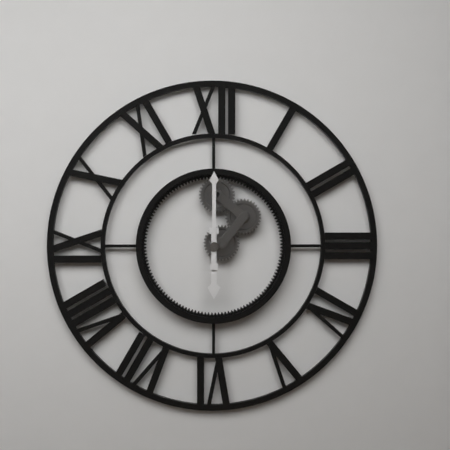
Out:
6.00
